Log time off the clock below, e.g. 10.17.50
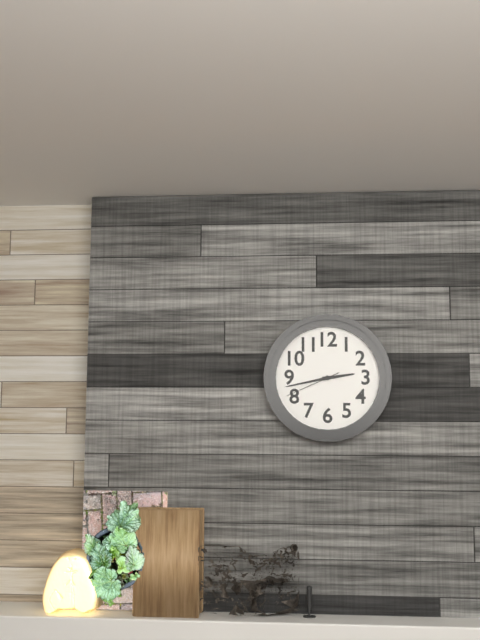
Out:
2.43.41
